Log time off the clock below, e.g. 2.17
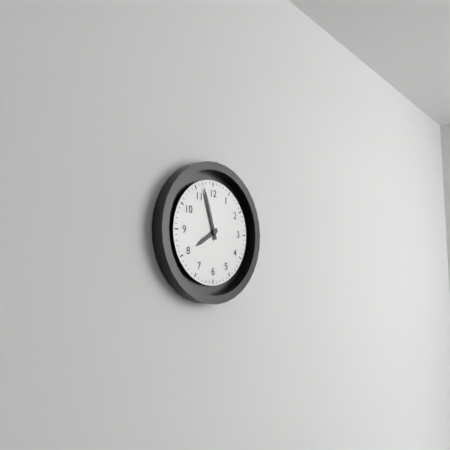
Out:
7.57
